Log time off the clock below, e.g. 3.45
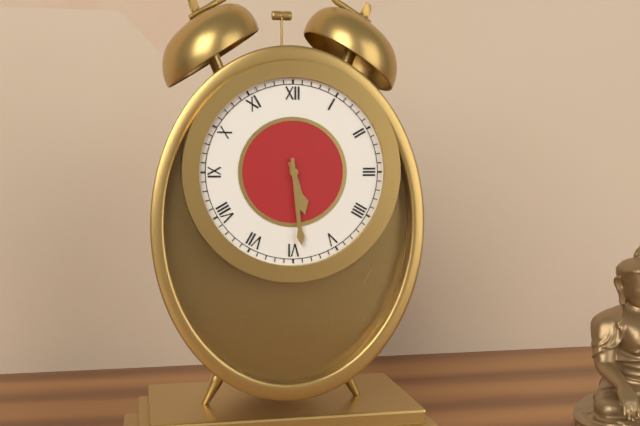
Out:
5.29
